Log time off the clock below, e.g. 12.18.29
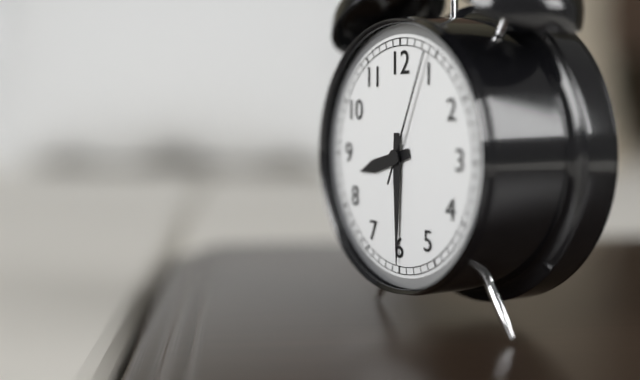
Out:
8.30.04
